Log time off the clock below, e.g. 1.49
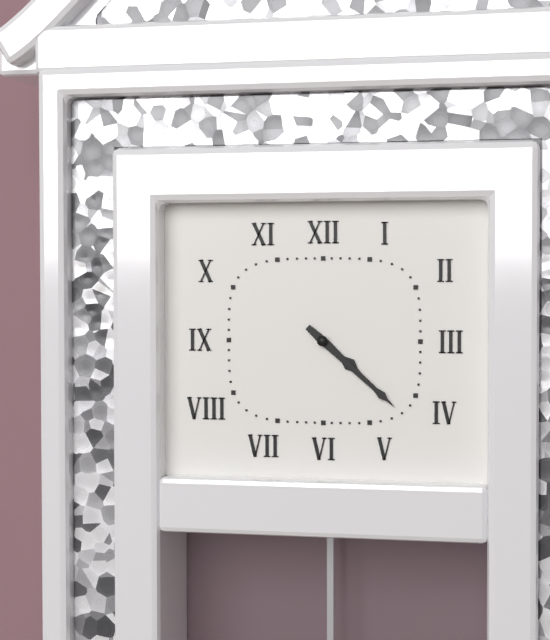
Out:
4.22
